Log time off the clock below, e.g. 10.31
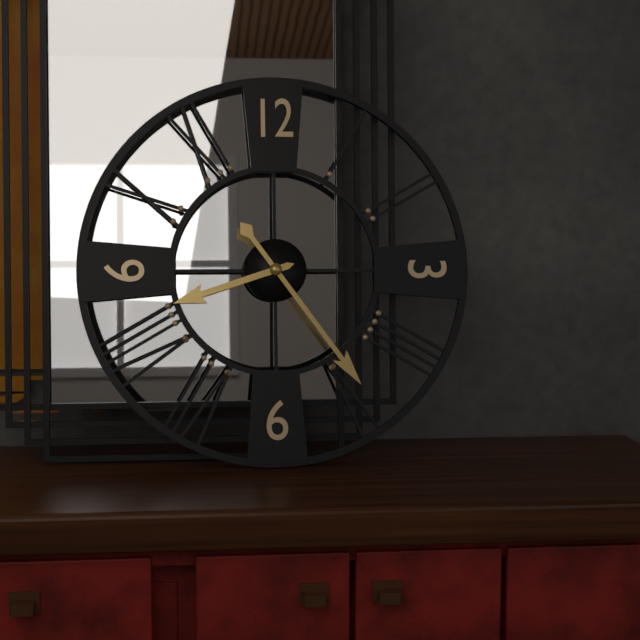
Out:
8.24
